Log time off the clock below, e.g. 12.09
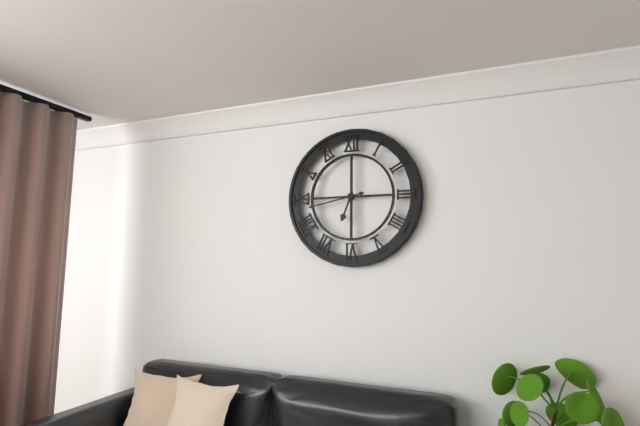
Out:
6.43
